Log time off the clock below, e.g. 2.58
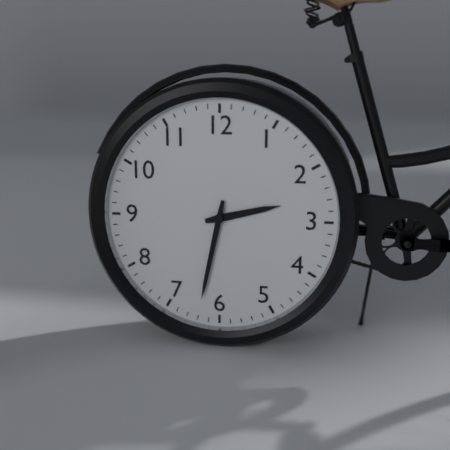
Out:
2.32
